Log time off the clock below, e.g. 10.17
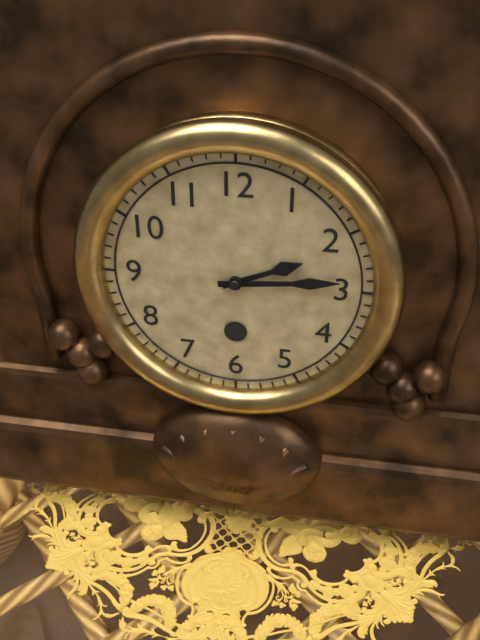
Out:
2.14
